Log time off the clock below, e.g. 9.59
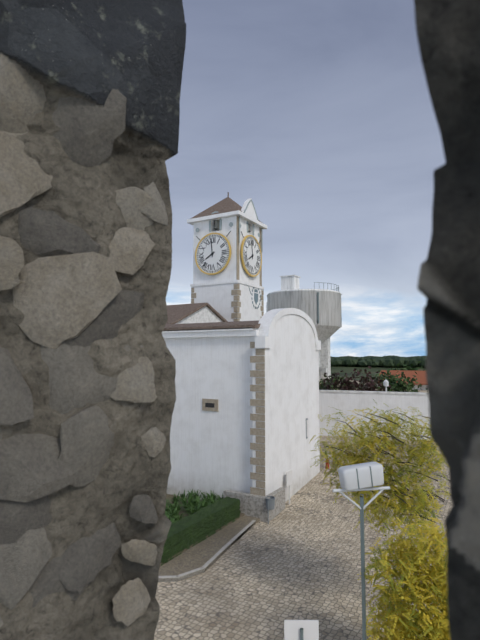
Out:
7.59
